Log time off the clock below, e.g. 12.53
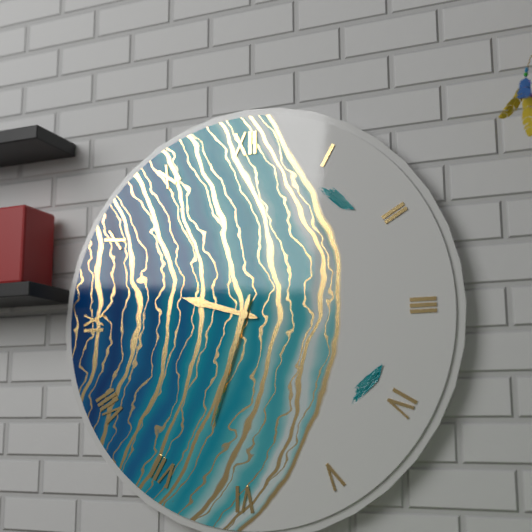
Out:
9.33
